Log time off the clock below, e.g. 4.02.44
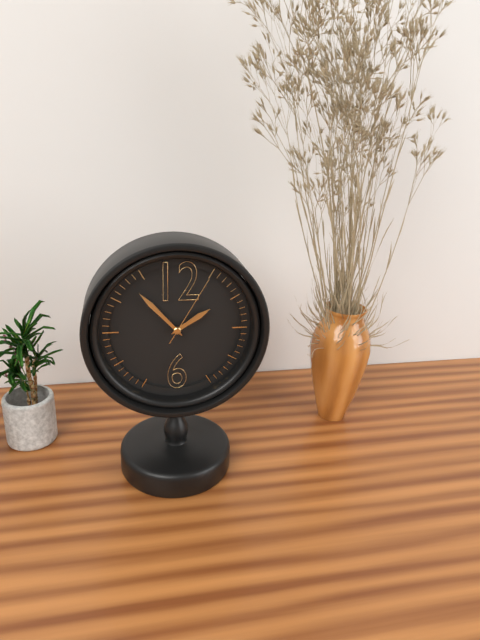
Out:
1.53.05
